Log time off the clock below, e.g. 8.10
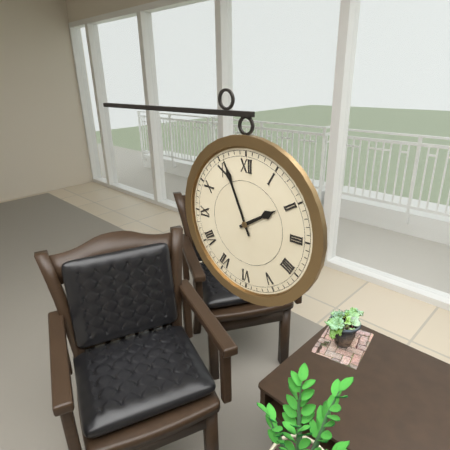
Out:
1.56
